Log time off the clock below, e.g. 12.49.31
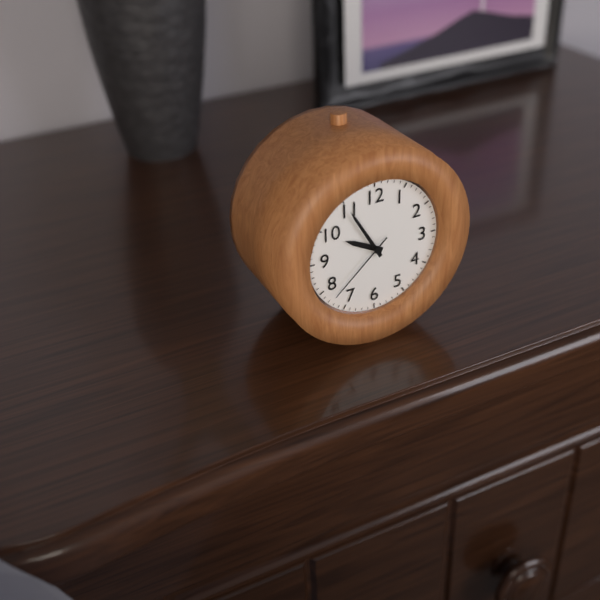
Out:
9.55.38
